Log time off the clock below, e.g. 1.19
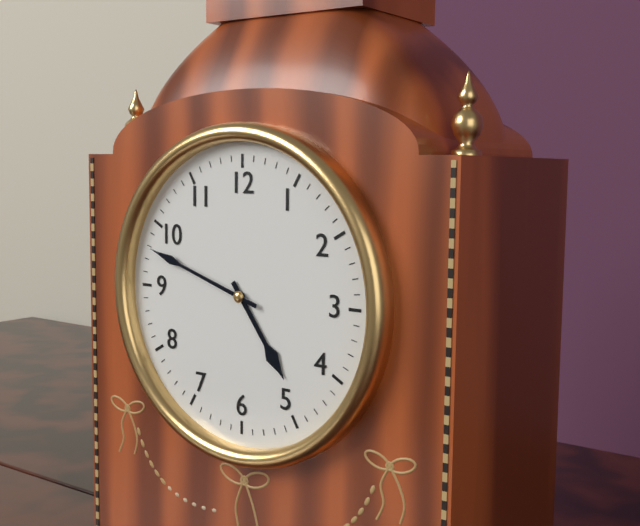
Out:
4.48
